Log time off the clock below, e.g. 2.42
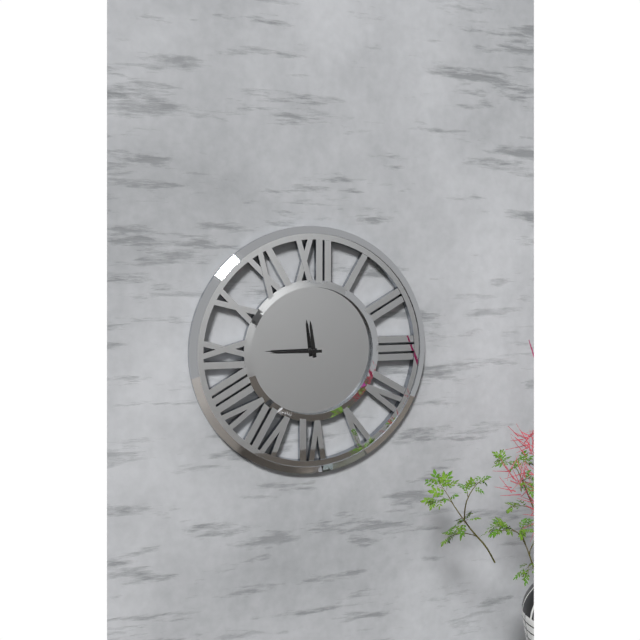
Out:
11.45
